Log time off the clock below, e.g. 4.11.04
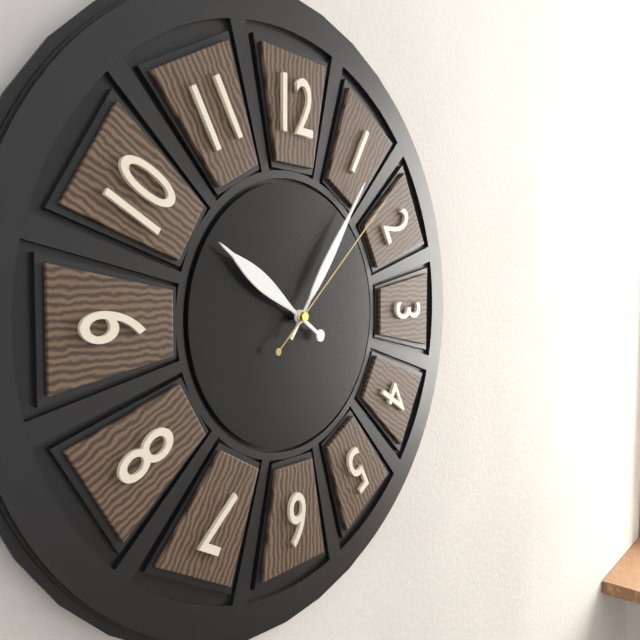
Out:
10.06.08
